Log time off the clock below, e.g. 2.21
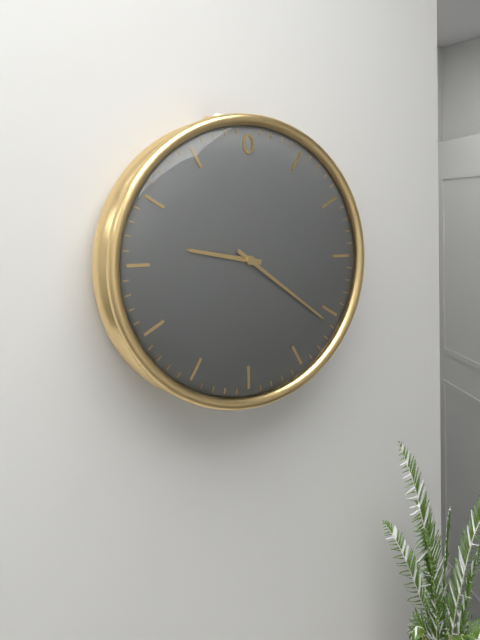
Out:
9.21
